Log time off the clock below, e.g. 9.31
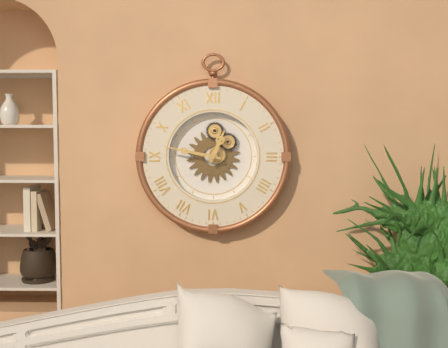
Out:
12.47
